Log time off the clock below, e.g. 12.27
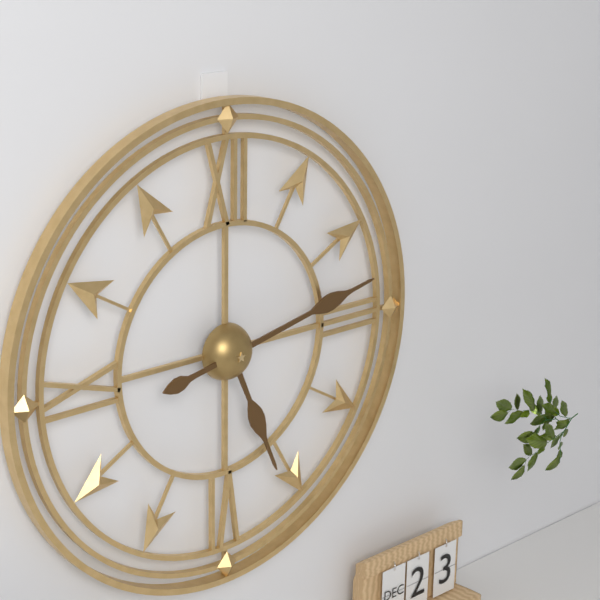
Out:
5.13
